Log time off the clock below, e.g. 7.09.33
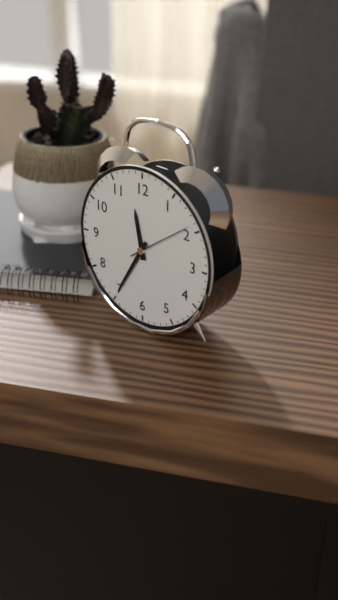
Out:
11.35.09
